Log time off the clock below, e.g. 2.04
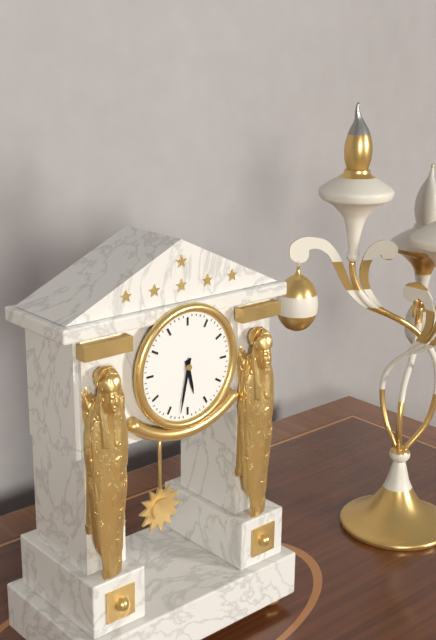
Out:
5.32
